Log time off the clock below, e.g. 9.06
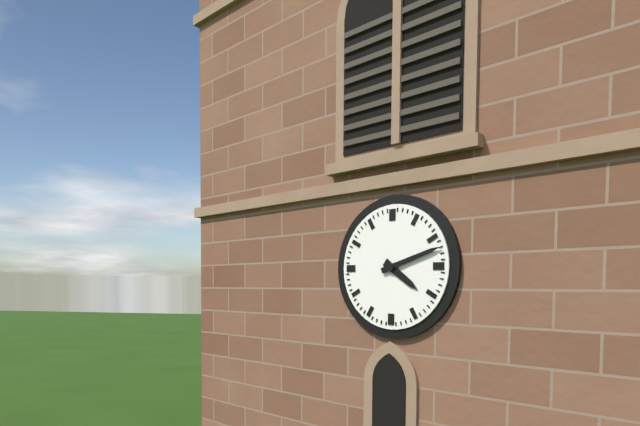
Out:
4.12
